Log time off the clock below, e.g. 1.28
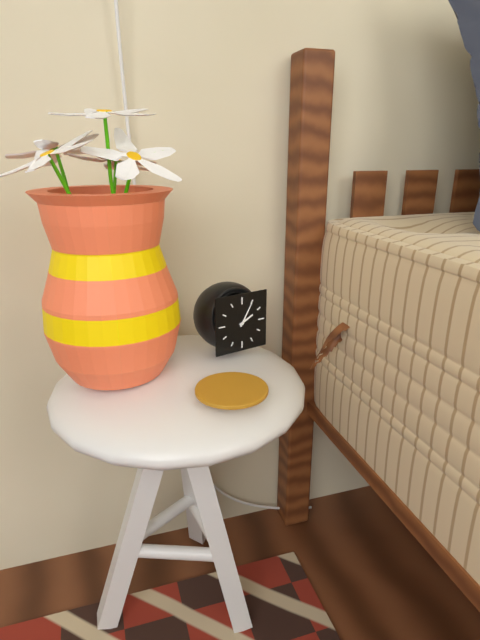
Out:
2.05
